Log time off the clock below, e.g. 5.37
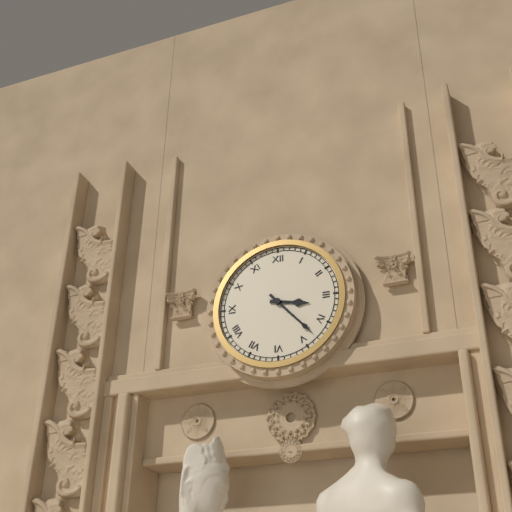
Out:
3.23
